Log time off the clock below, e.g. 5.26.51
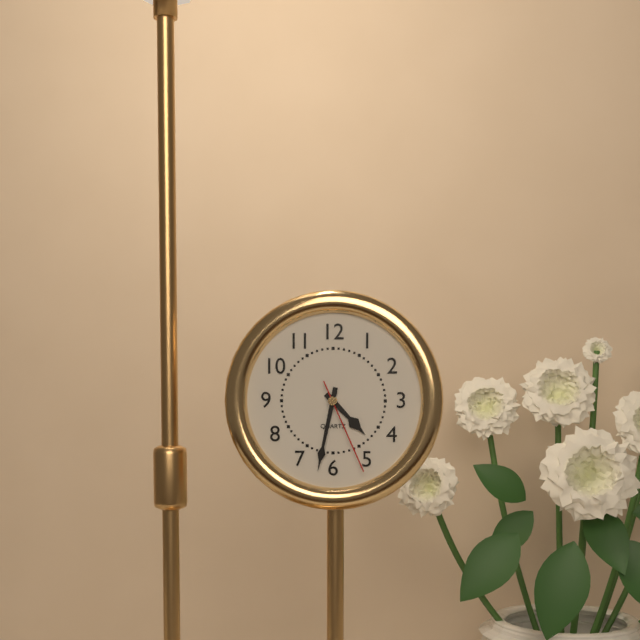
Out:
4.32.26
